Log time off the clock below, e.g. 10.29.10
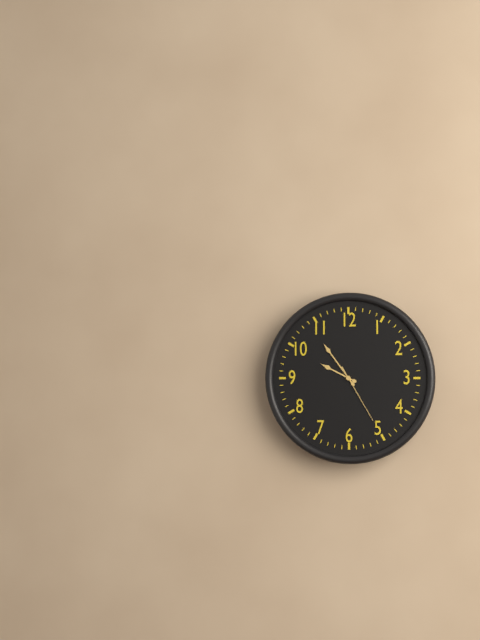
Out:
9.54.25
